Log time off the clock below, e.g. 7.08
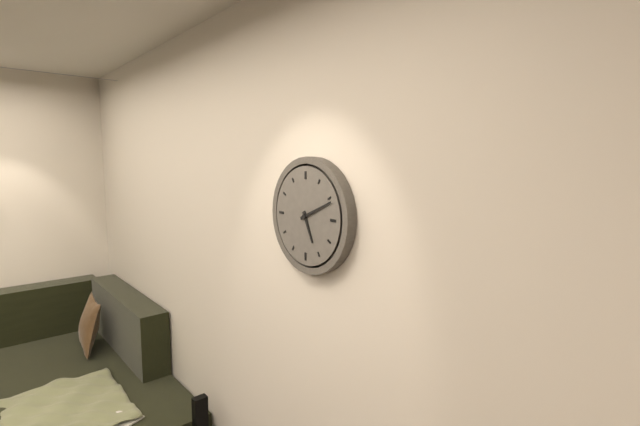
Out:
5.11
